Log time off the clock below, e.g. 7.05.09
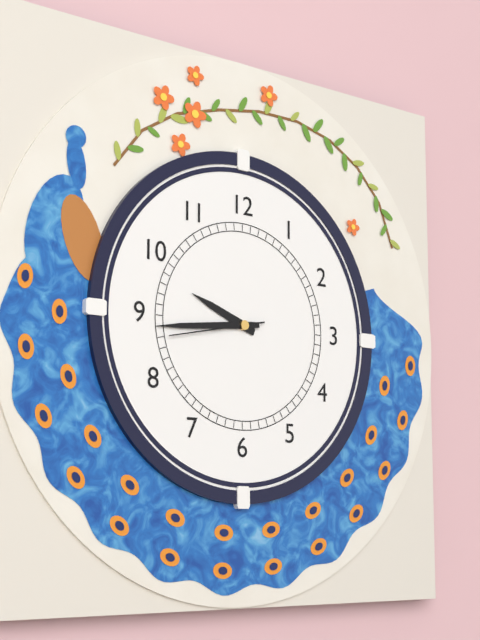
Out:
9.44.43
